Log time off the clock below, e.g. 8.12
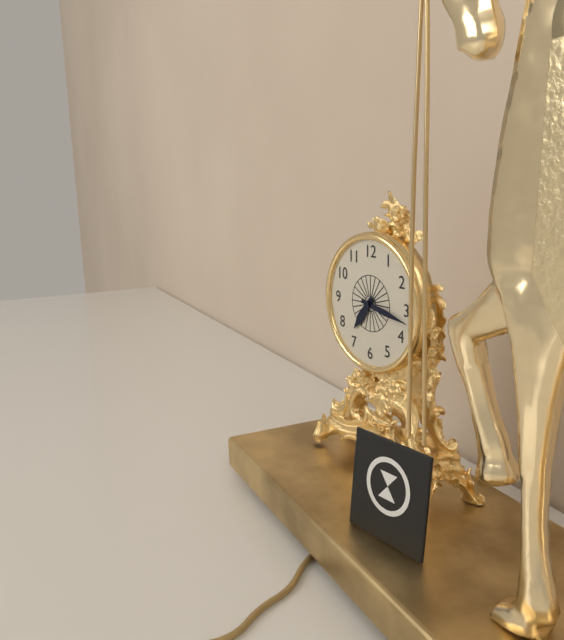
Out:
7.17
